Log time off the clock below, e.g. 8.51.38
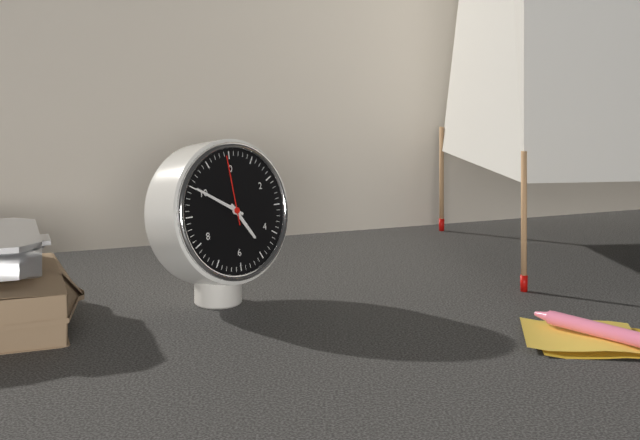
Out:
4.50.59
